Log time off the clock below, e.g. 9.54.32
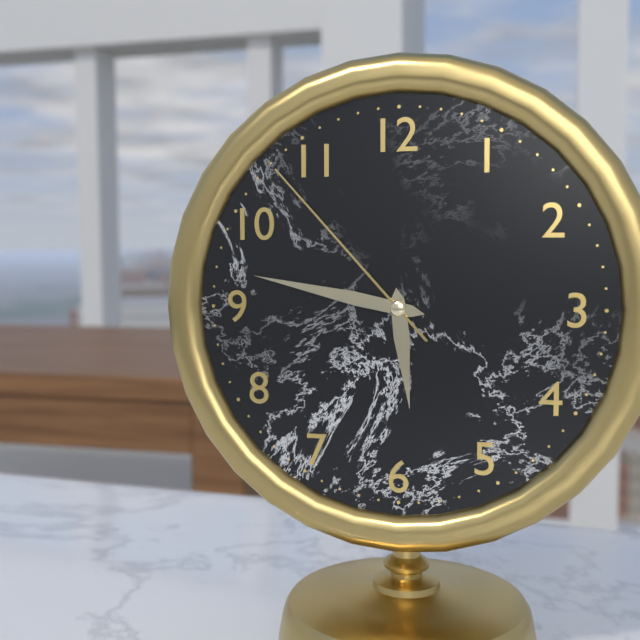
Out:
5.47.53
